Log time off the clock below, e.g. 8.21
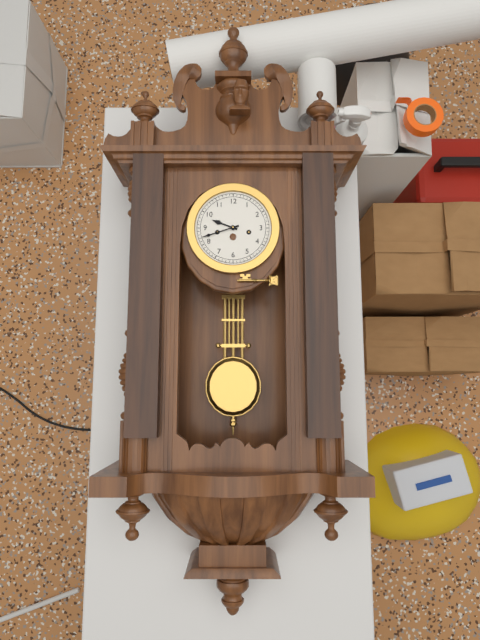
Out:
9.42
